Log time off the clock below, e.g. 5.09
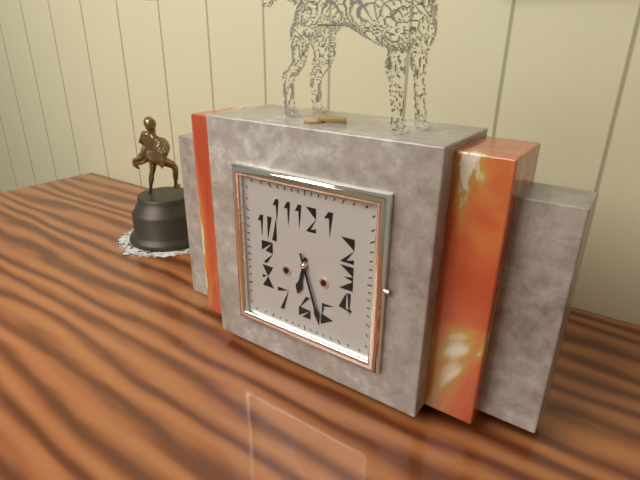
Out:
6.27
